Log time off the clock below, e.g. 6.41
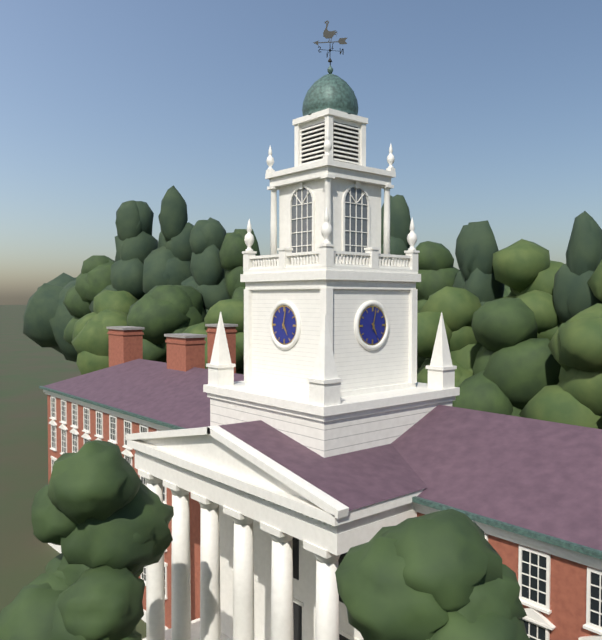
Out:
5.02
